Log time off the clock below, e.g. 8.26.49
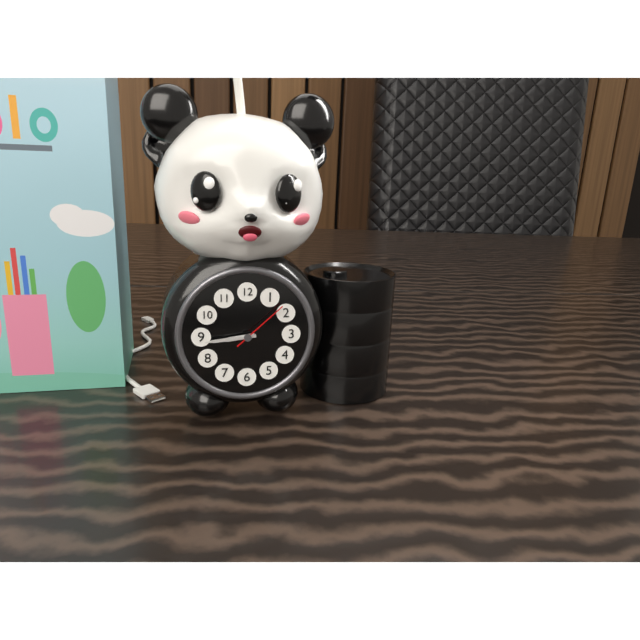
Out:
8.44.08
